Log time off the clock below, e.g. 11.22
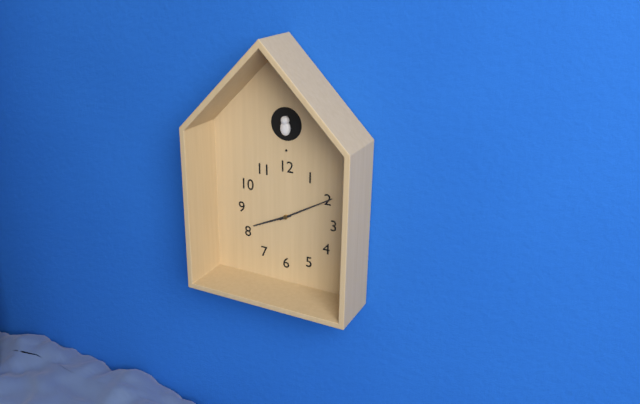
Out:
8.10
